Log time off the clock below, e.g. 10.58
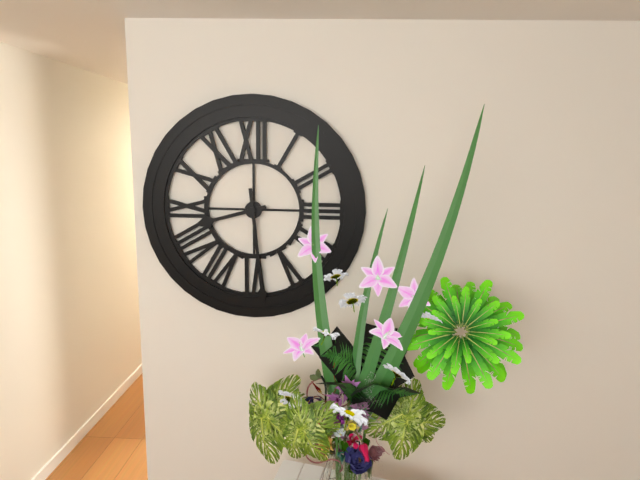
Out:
8.29
